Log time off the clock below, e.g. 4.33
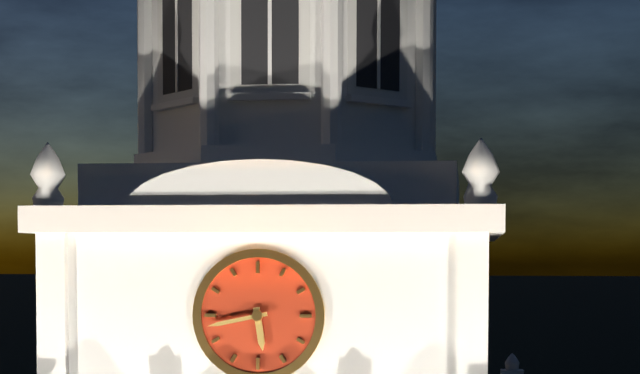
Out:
5.43
